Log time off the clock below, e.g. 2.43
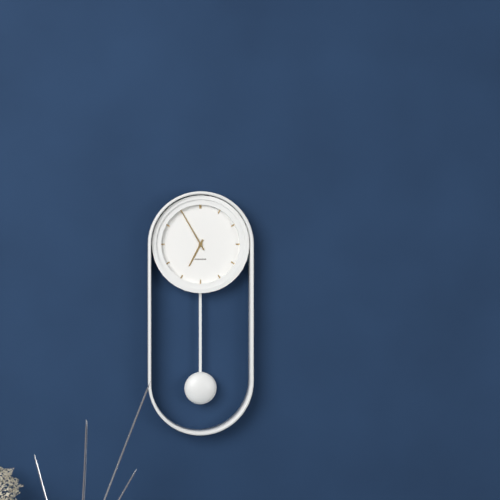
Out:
6.55
